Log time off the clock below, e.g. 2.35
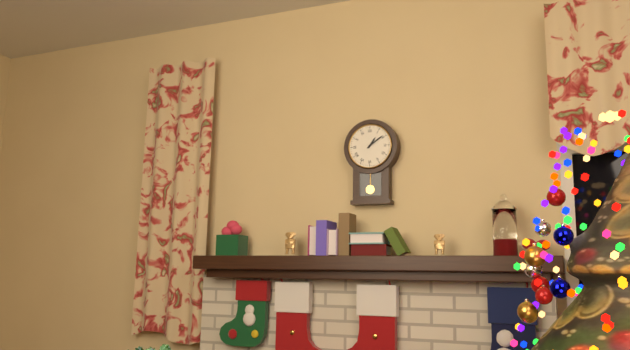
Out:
1.09
